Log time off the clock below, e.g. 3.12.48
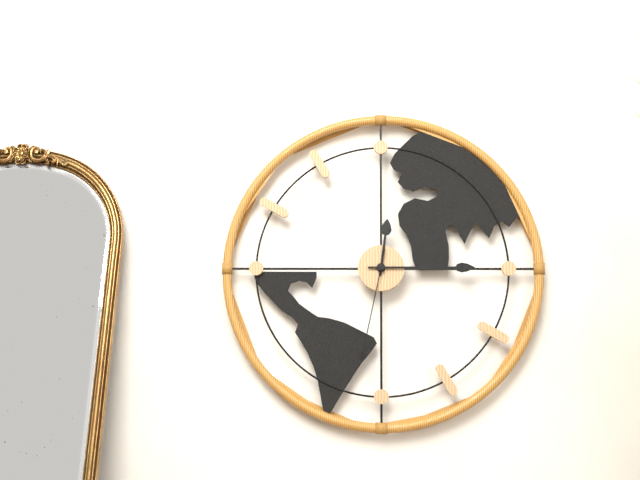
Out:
12.15.32
